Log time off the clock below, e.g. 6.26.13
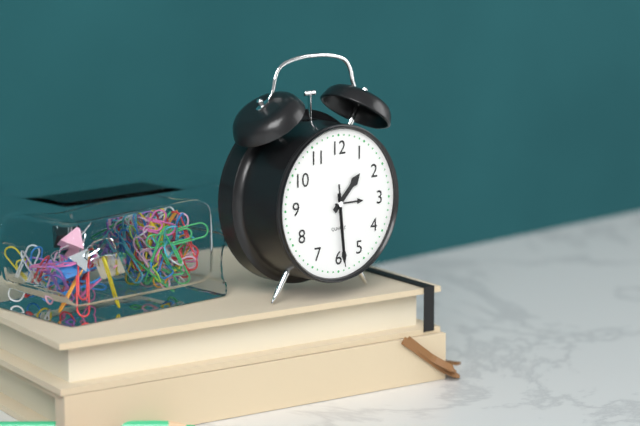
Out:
1.29.29
